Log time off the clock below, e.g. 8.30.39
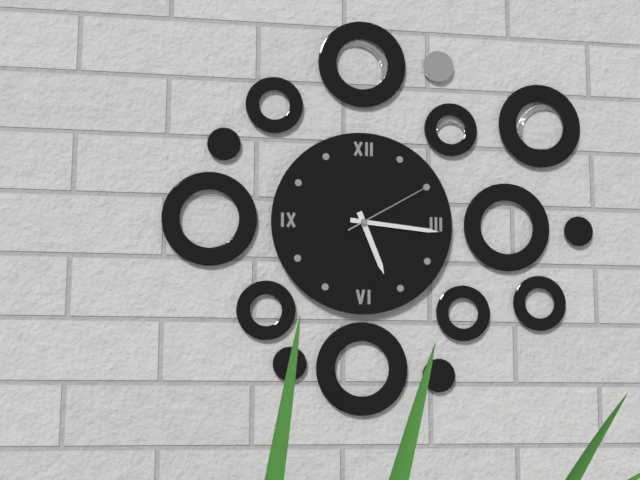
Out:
5.16.10
